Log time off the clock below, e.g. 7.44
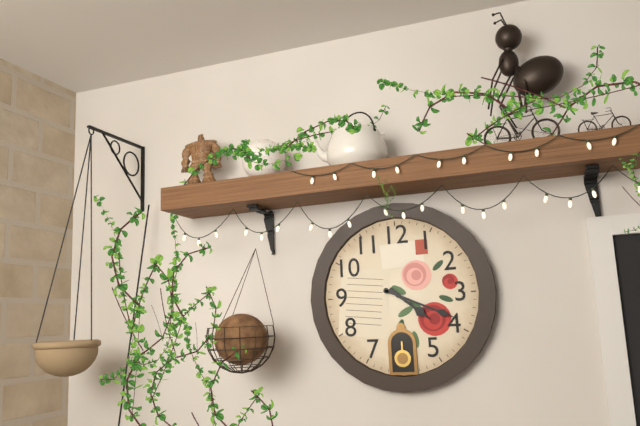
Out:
4.19
